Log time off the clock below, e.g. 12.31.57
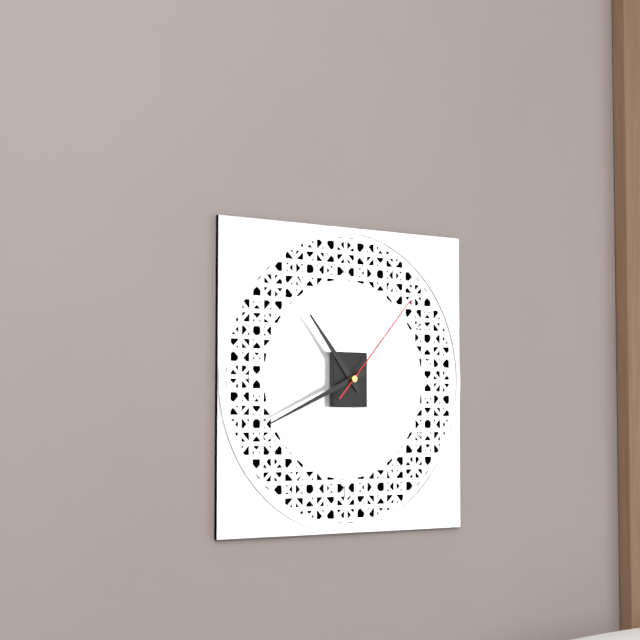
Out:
10.41.07
